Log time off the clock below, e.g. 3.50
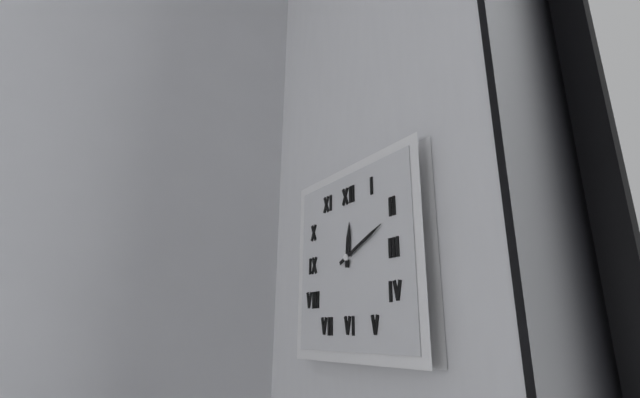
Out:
12.11
